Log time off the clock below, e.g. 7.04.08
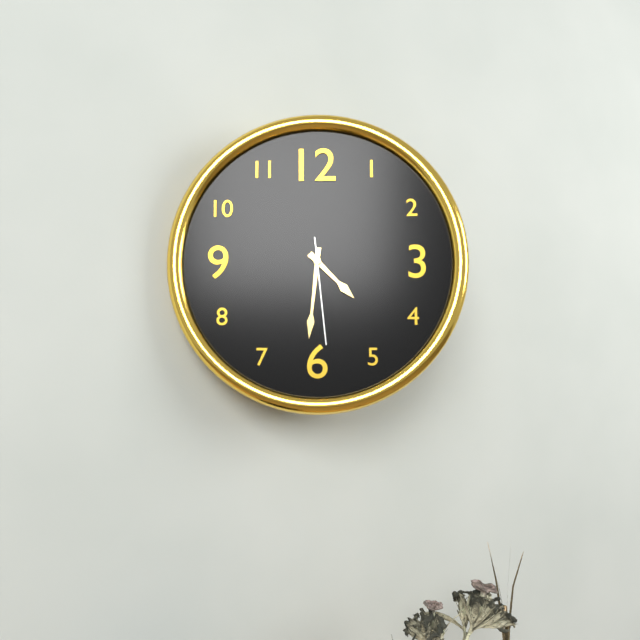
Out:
4.31.29
